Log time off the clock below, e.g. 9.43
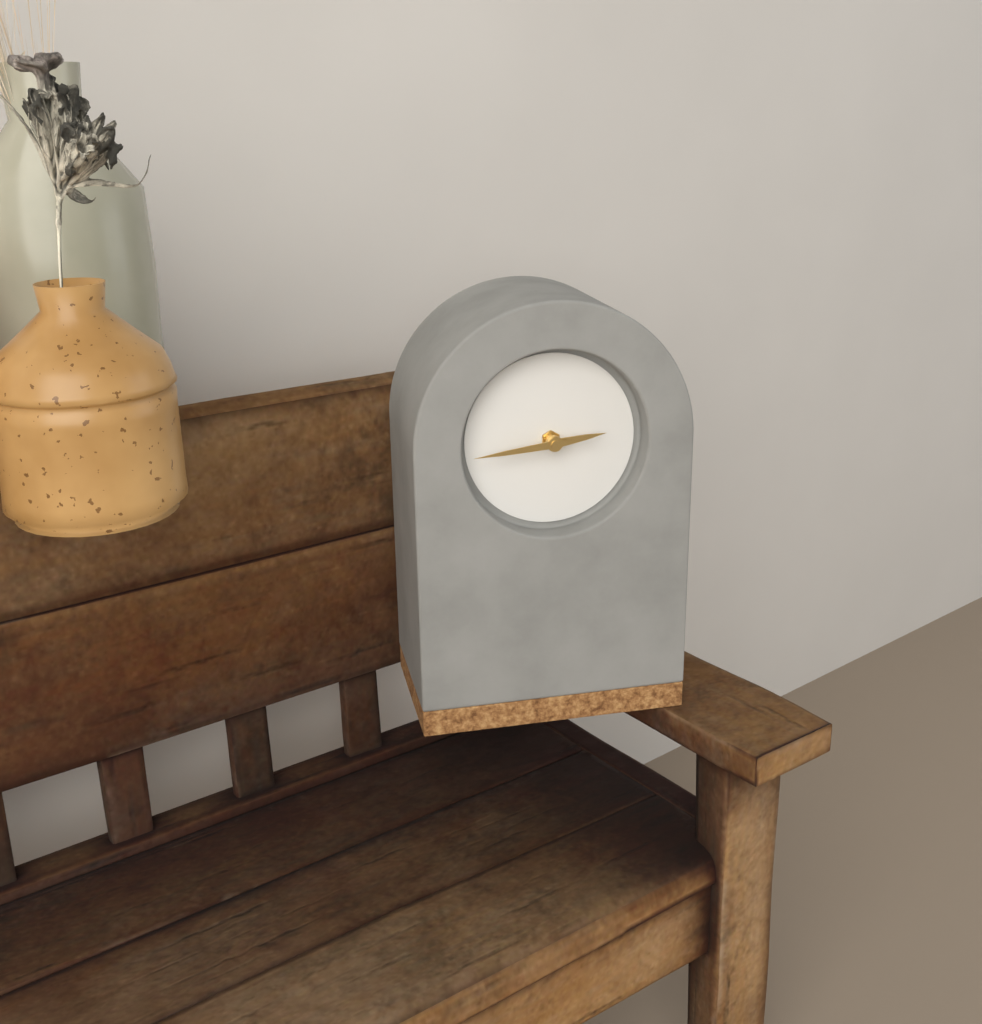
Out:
2.44
